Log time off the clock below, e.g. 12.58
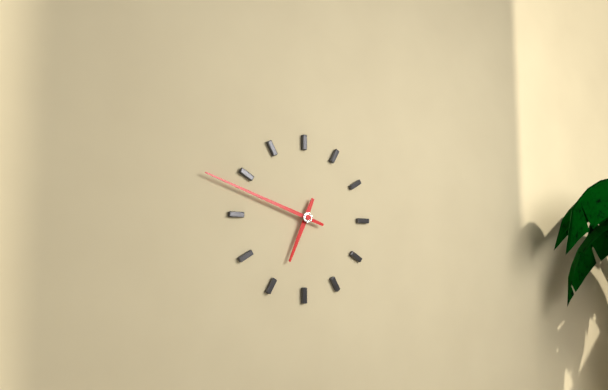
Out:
6.48
